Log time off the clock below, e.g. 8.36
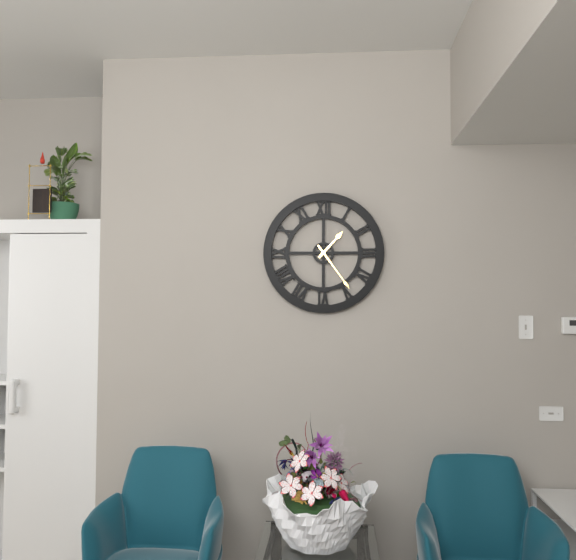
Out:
1.24
